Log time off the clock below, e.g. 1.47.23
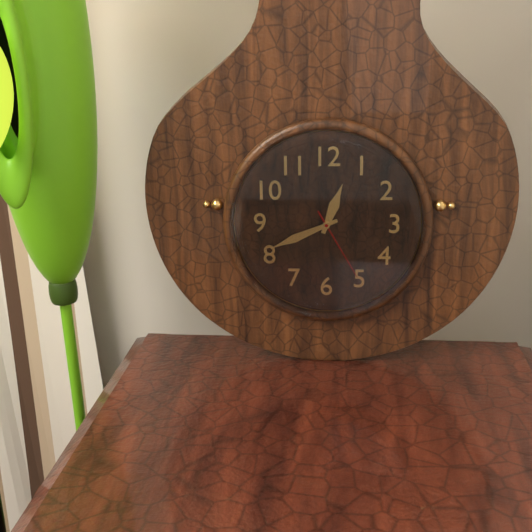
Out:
12.41.25
